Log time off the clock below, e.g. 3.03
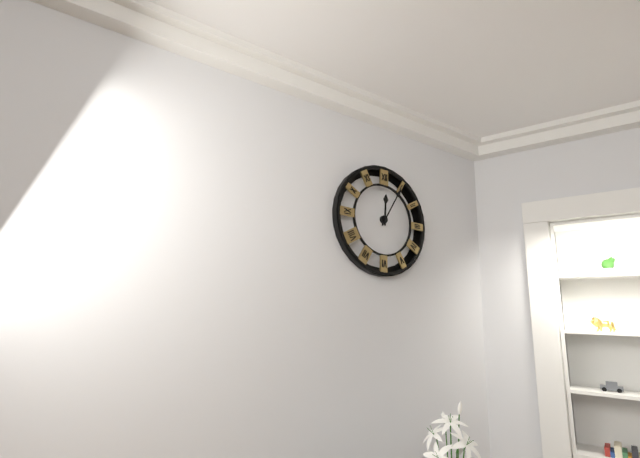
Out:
12.05
